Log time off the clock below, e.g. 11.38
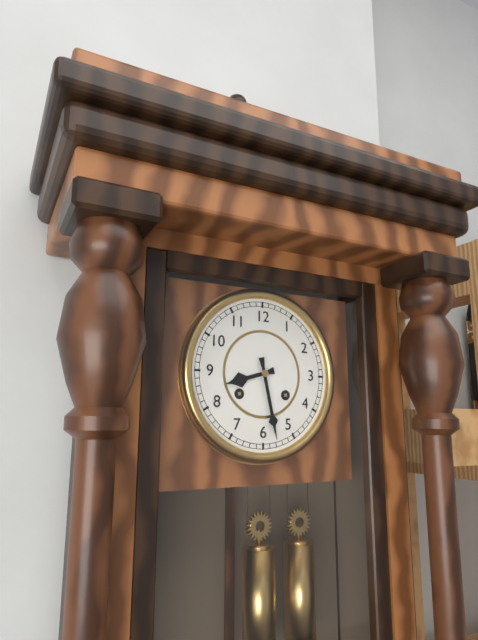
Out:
8.28
